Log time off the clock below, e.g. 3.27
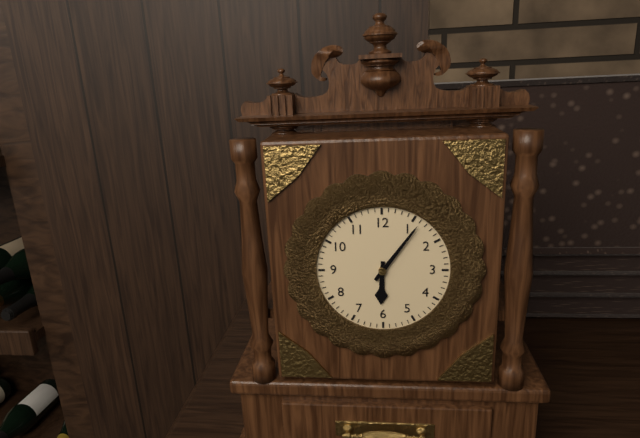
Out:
6.06
